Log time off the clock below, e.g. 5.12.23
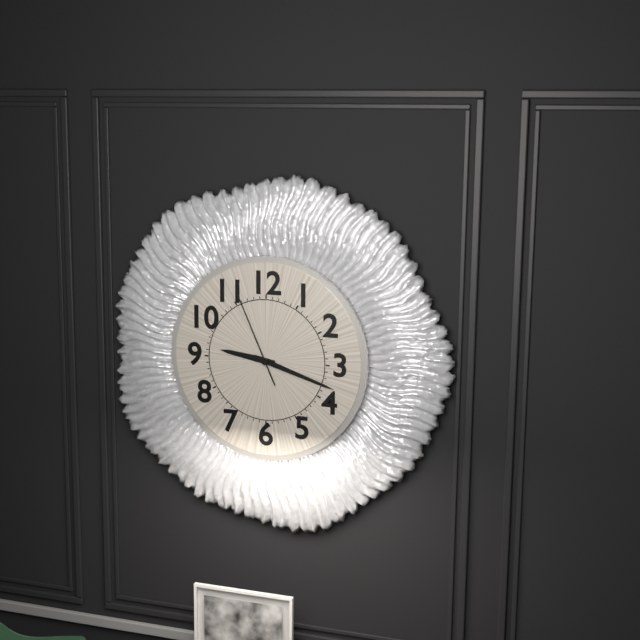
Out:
9.18.56
